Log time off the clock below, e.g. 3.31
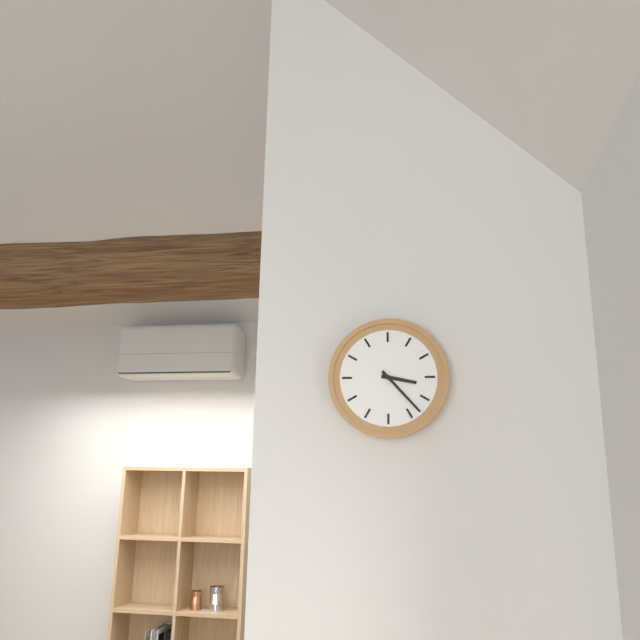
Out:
3.23
